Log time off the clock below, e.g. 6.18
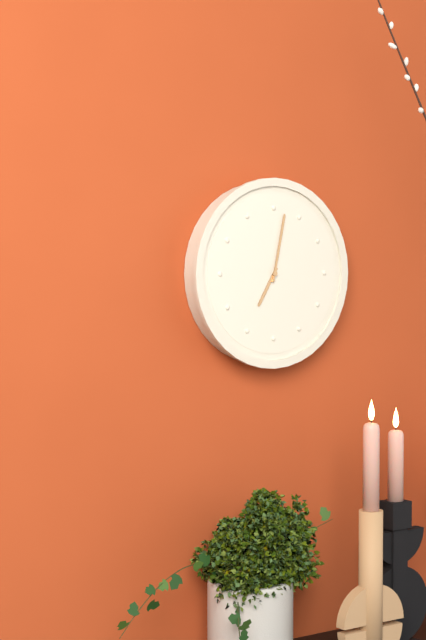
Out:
7.02
